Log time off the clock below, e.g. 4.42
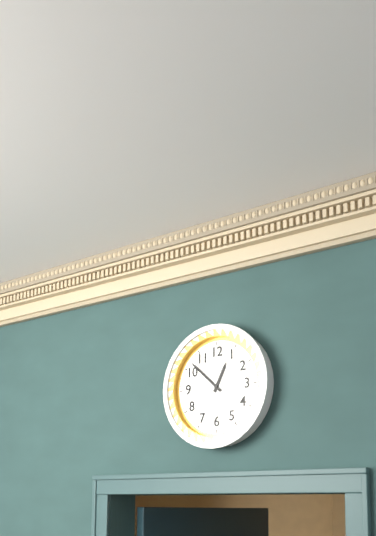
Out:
12.52
